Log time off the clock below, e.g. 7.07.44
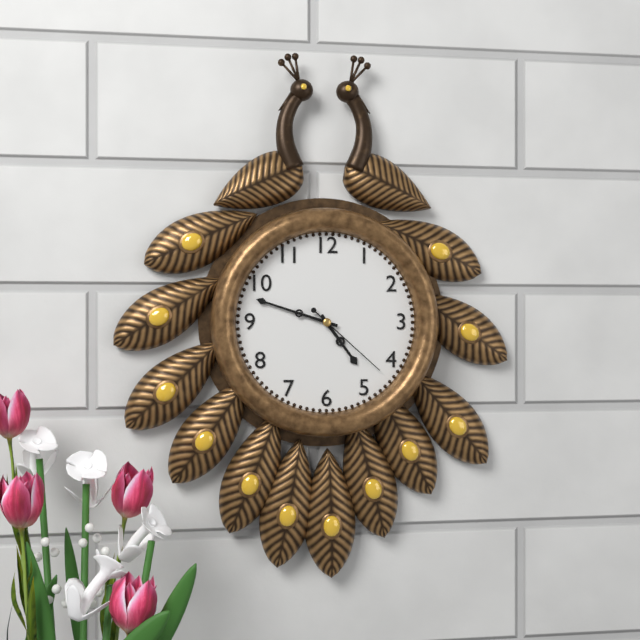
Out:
4.48.22
